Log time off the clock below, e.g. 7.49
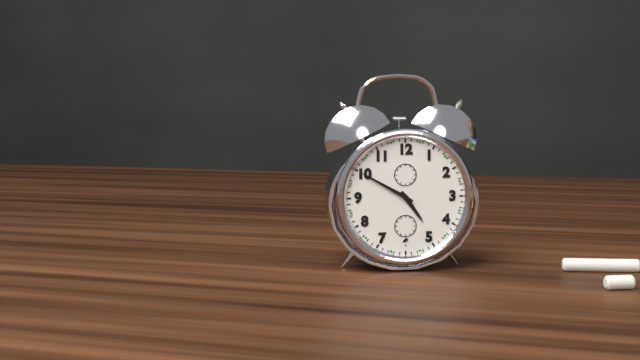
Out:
4.50
